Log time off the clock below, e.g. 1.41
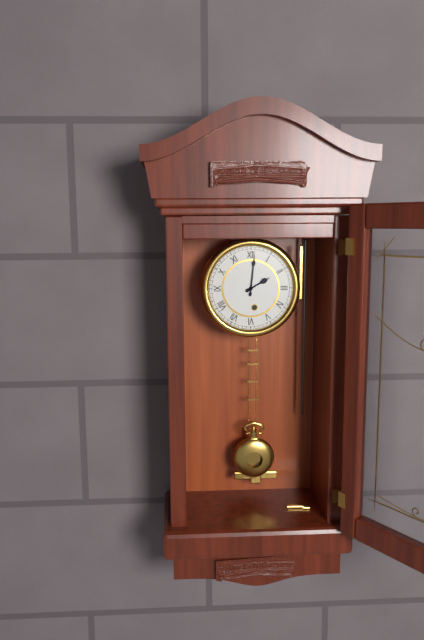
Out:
2.01
